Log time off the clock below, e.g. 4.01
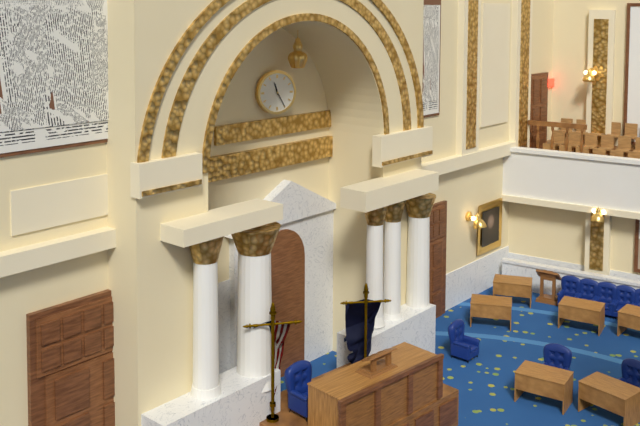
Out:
11.25
